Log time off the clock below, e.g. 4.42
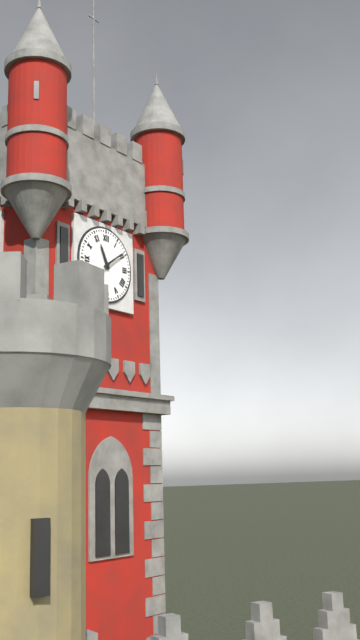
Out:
11.09
